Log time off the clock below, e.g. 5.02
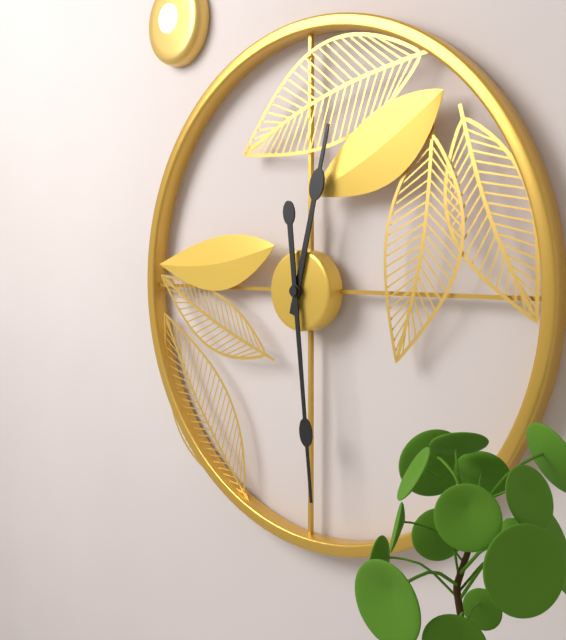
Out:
12.29
